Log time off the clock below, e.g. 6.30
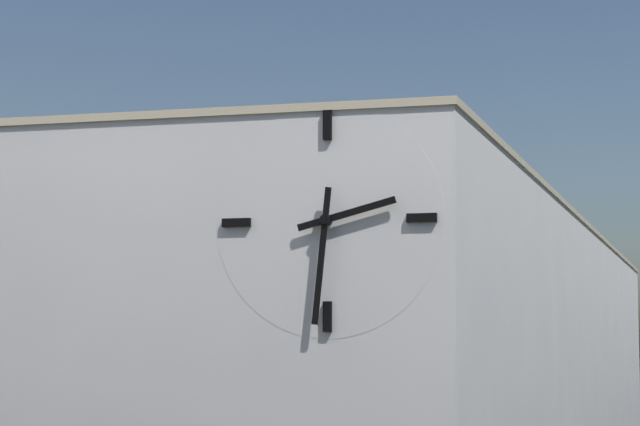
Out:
2.31
